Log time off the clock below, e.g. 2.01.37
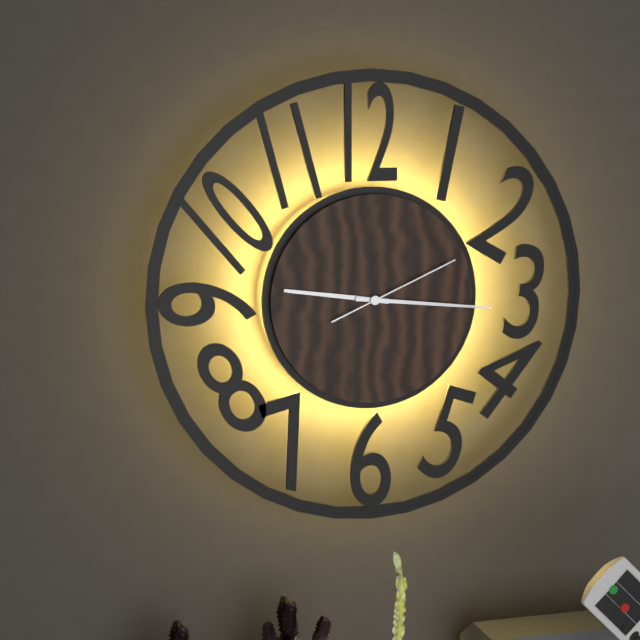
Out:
9.16.11
